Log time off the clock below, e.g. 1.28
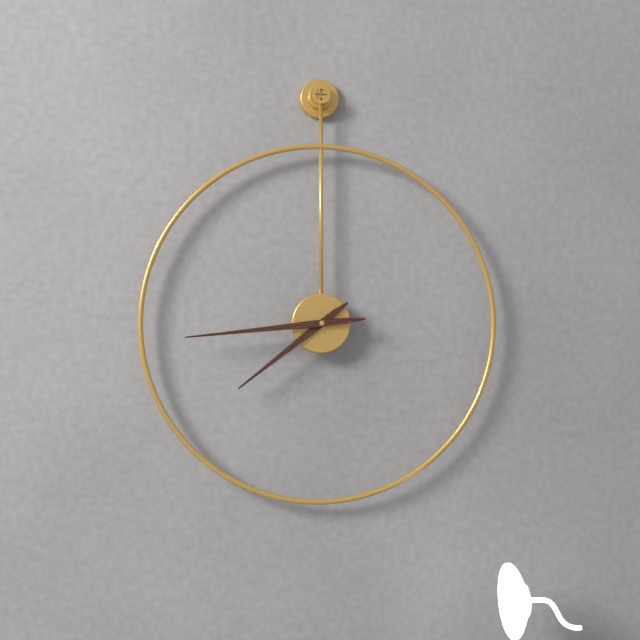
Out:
7.44
